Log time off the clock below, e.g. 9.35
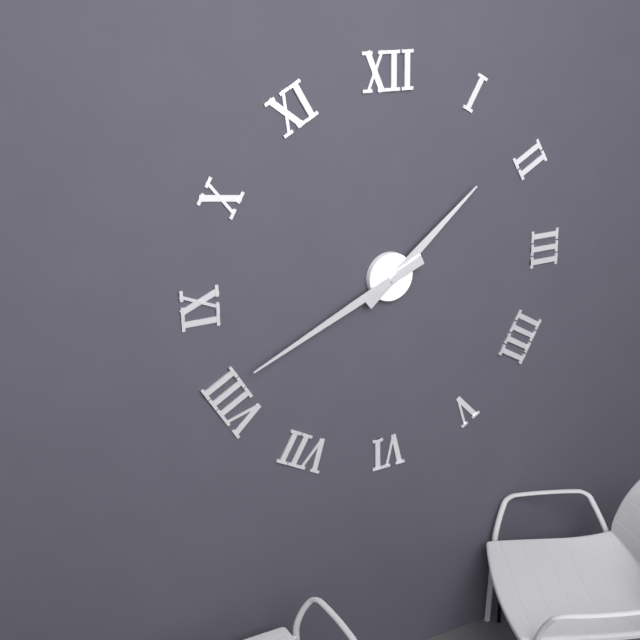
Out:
1.41
